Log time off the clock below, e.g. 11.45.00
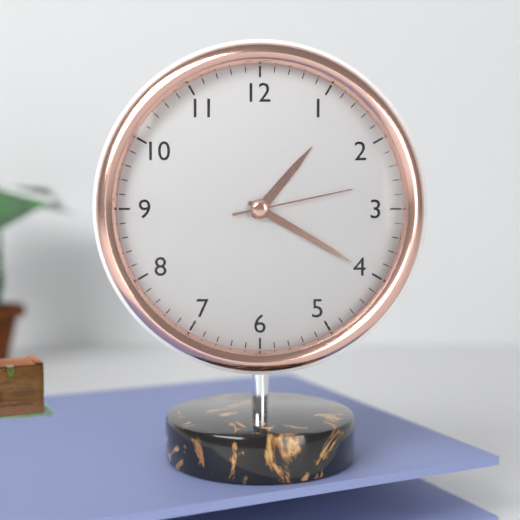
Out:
1.20.13
